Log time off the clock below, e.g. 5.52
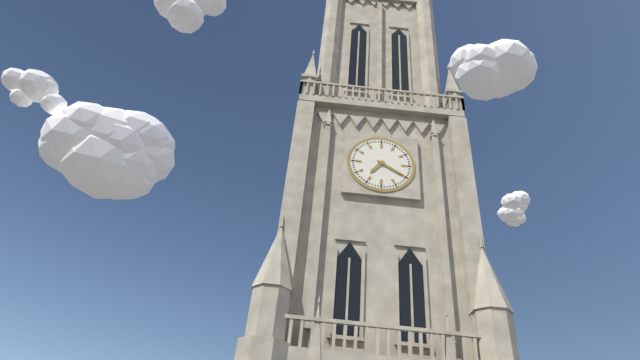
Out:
7.20
